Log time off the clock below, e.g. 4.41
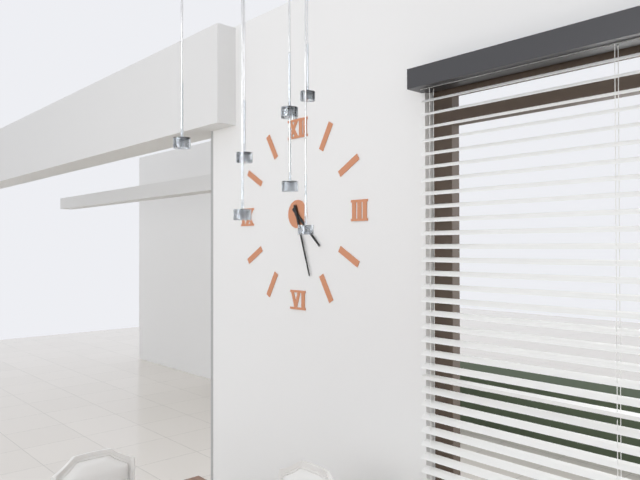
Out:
4.27
